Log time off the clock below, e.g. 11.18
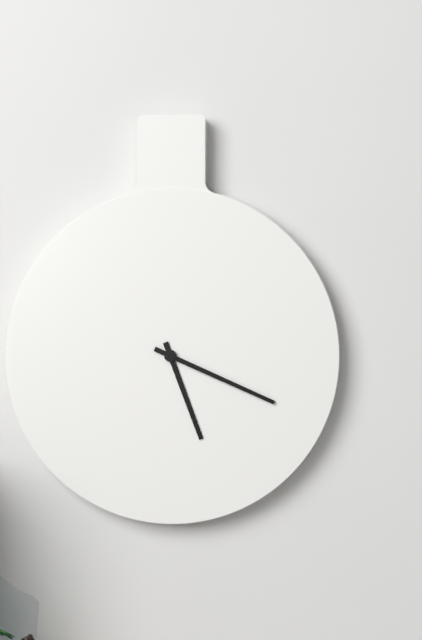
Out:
5.19
